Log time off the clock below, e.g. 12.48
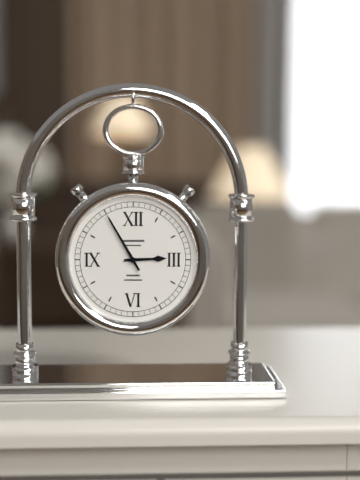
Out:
2.55
